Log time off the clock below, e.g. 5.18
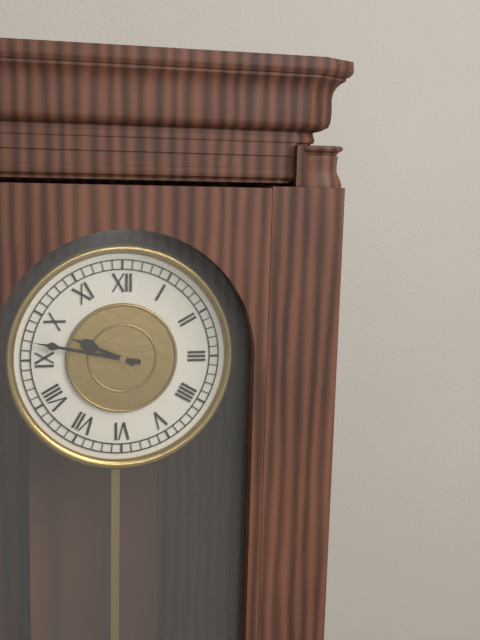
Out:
9.47
